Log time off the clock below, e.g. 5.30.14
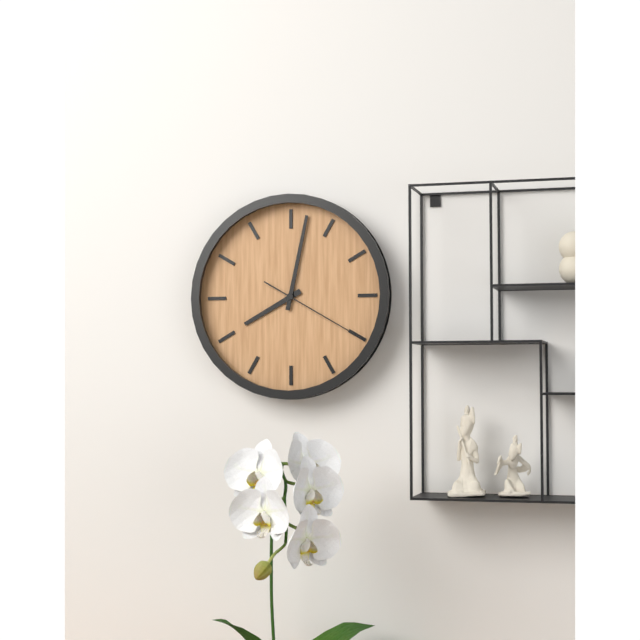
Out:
8.02.20
